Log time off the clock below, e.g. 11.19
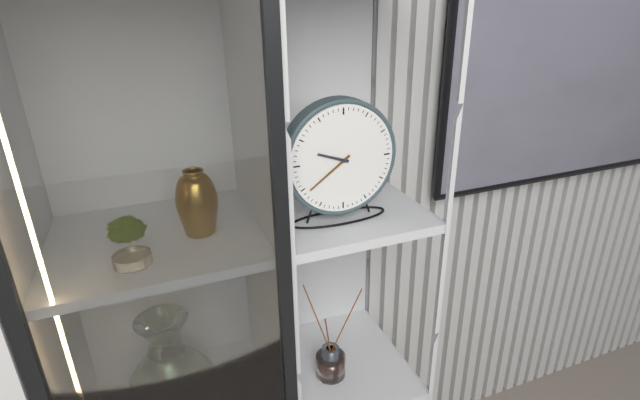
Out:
9.39
